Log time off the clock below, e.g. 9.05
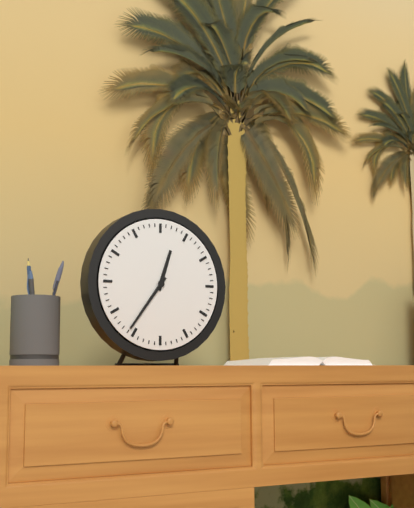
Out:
12.36
